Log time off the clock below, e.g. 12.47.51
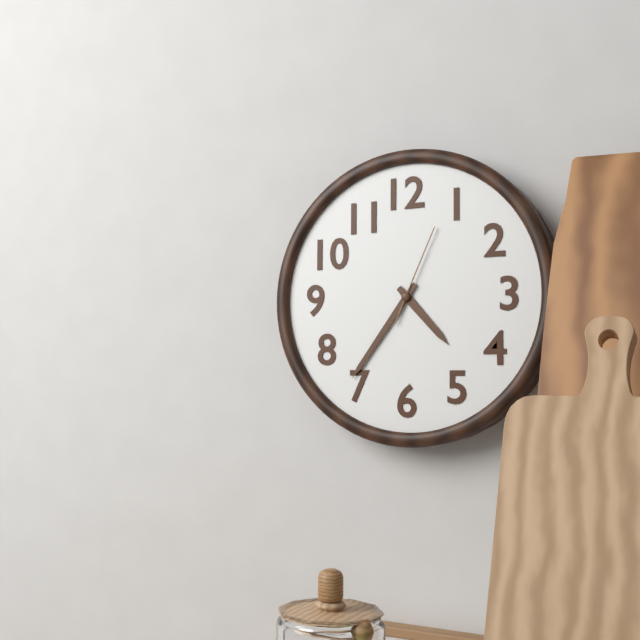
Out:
4.36.04
